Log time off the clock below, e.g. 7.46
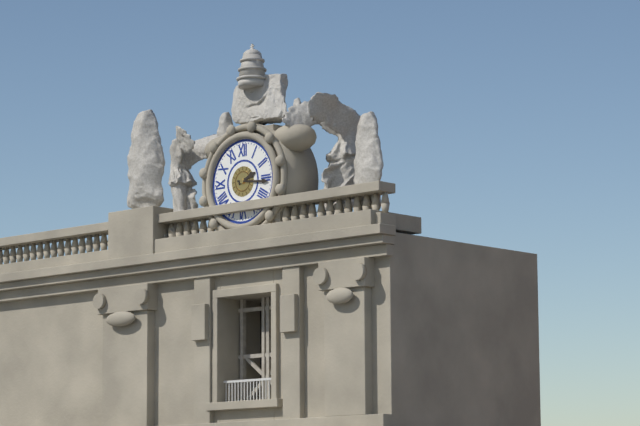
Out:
2.16
